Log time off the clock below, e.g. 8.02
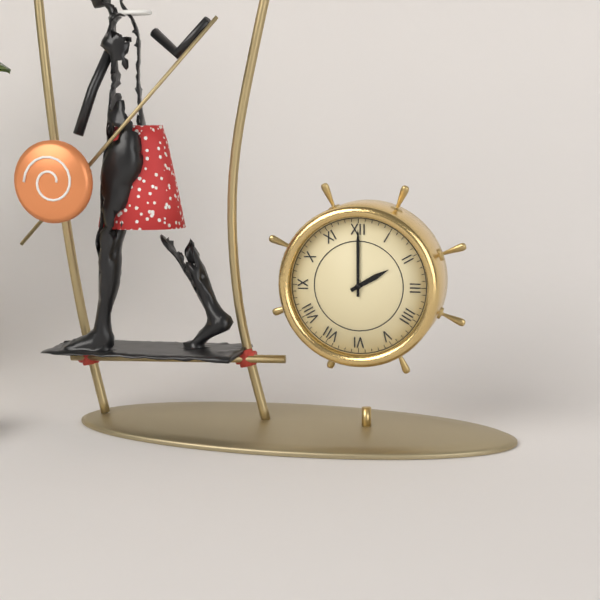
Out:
2.00
